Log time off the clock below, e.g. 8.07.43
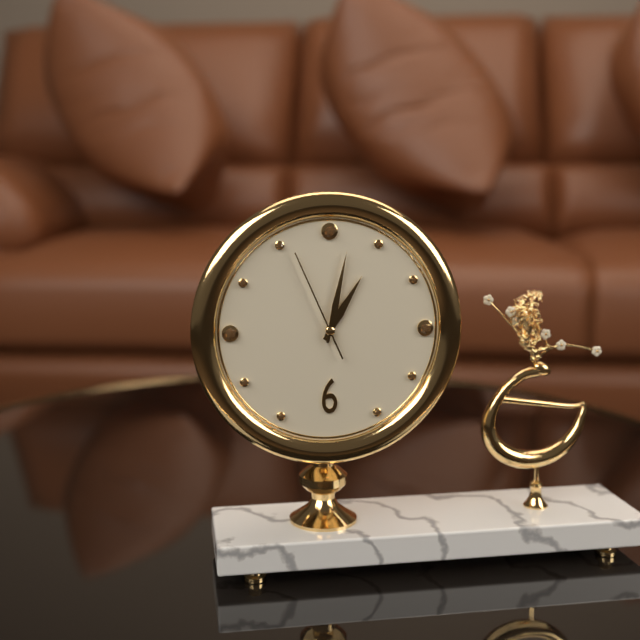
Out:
1.02.56
